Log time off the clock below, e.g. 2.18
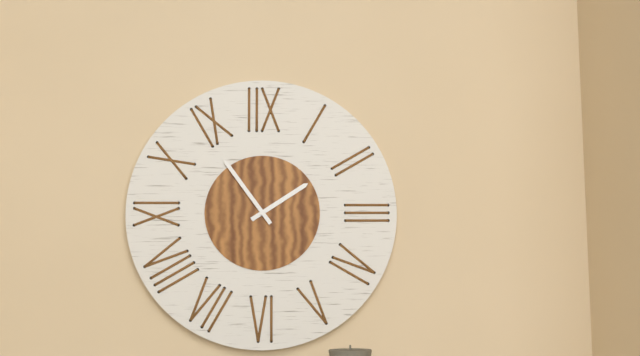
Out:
1.54
